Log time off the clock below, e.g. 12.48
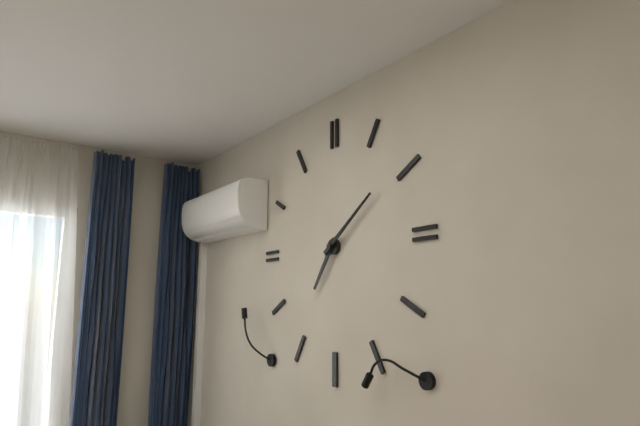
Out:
7.09
